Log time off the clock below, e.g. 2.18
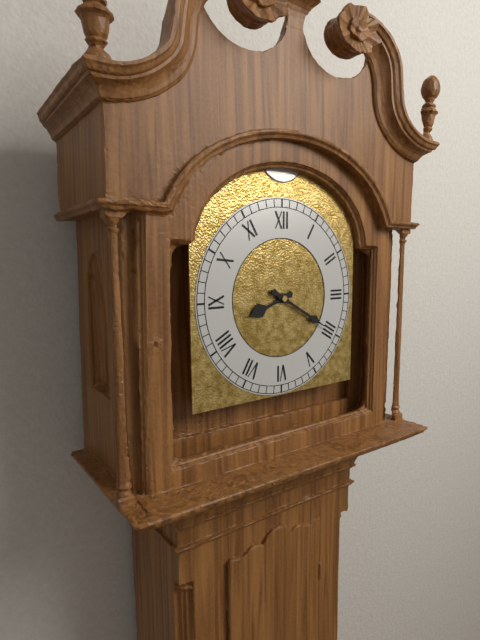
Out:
8.20
